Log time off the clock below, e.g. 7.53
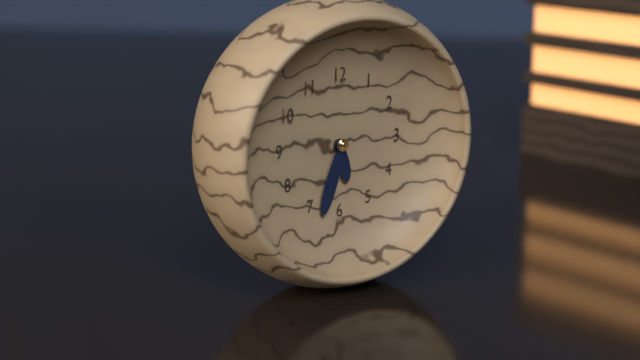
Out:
5.33
